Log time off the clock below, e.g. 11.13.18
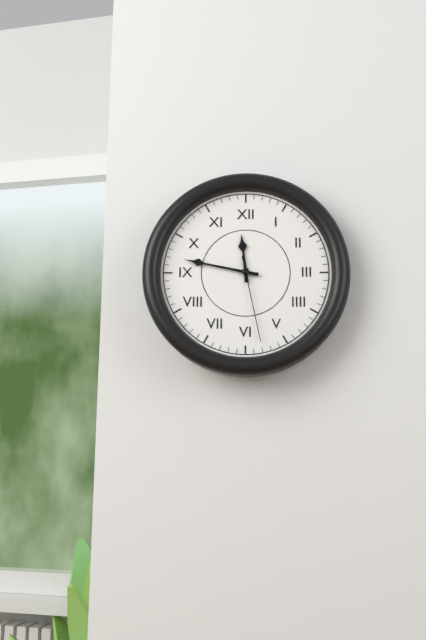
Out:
11.47.28
